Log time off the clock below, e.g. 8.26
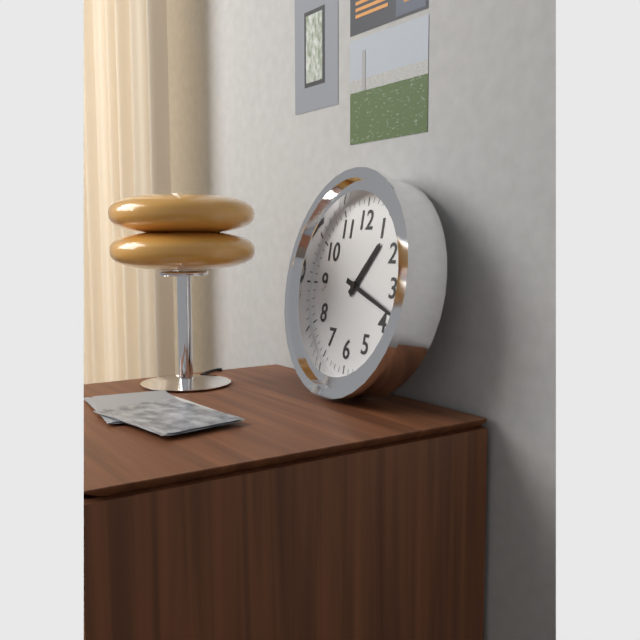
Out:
1.18
